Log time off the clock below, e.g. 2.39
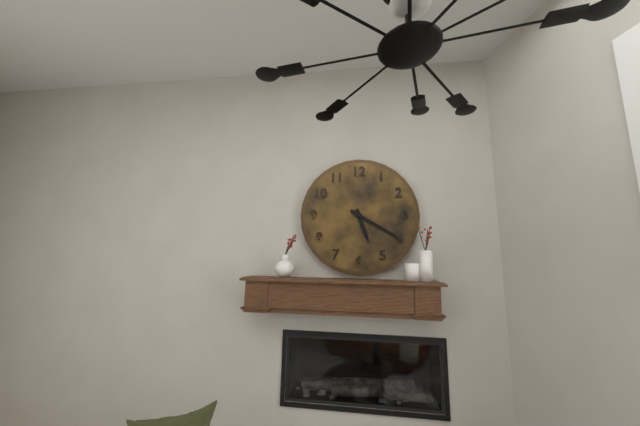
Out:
5.20
